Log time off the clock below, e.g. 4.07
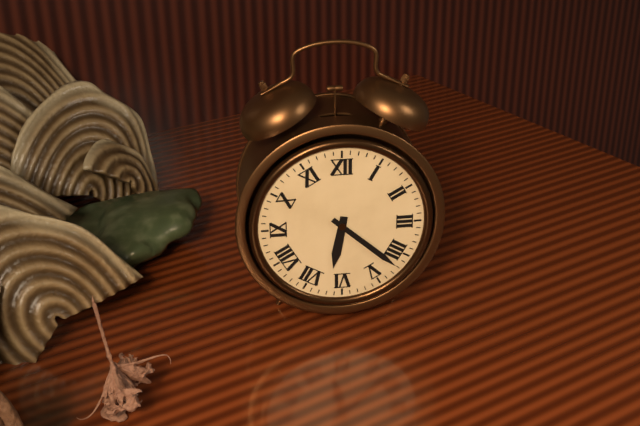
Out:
6.22
